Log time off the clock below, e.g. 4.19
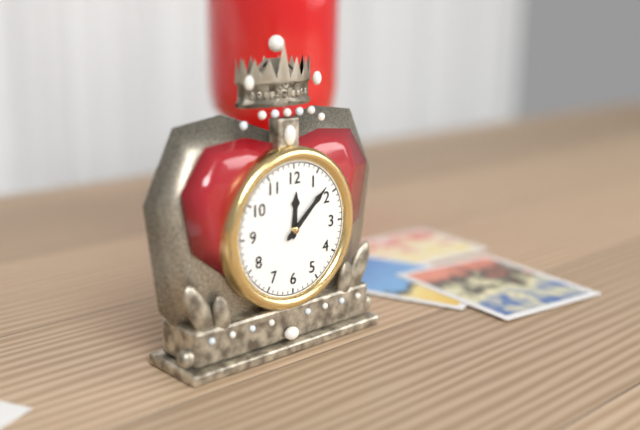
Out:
12.08
